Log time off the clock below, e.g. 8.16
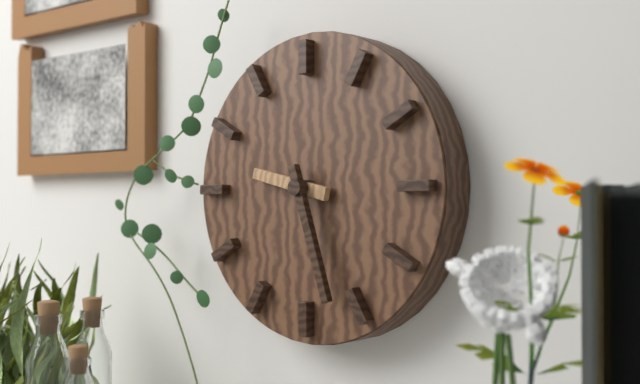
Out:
9.27
